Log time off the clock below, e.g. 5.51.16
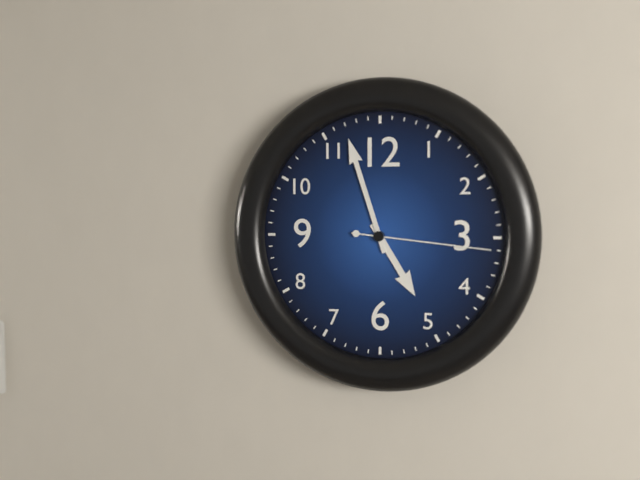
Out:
4.57.16
